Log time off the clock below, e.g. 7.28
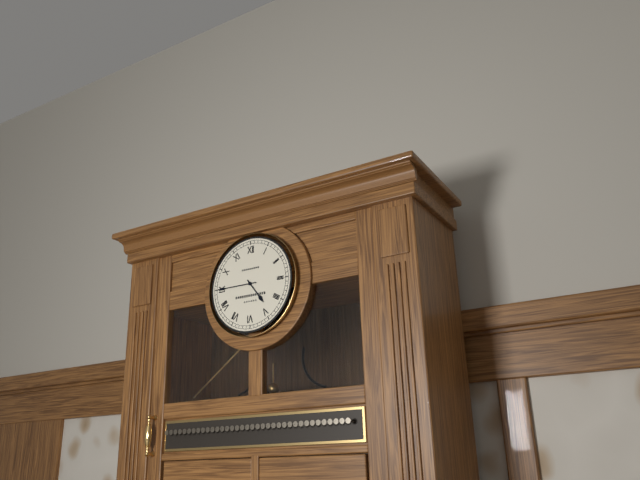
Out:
4.45
